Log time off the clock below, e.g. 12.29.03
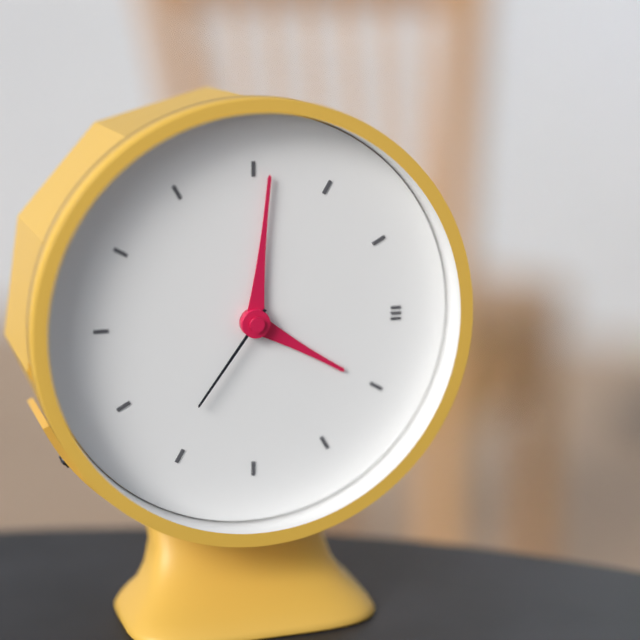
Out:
4.01.36
